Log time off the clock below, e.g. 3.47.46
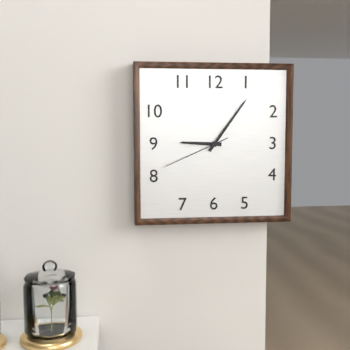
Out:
9.06.41
